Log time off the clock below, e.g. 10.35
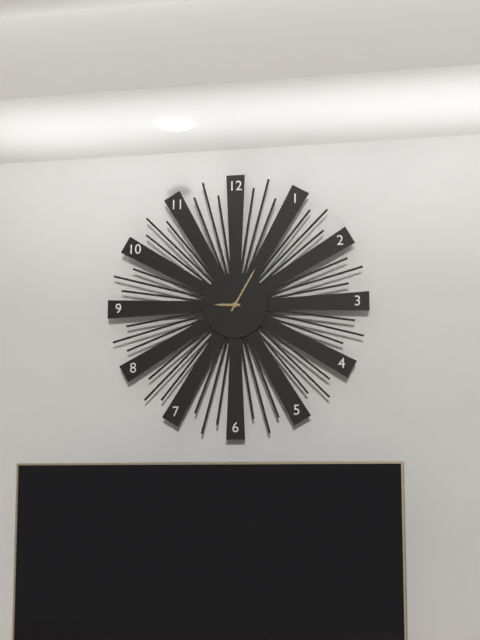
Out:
9.05
